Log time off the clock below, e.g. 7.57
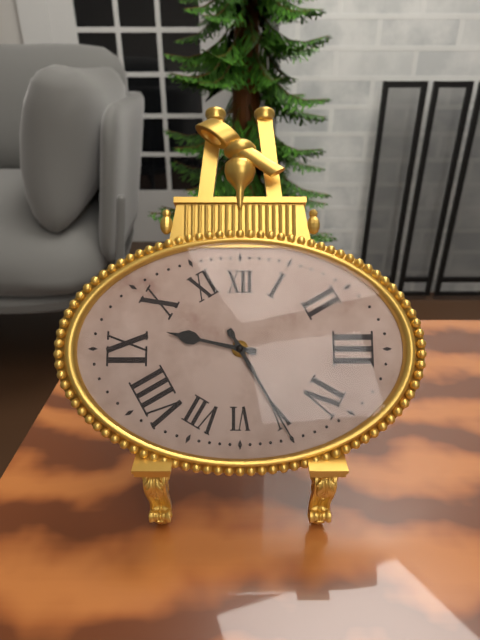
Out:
9.25
